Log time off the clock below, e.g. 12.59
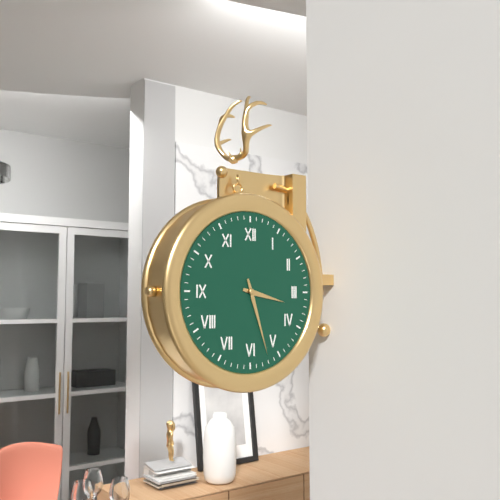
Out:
3.27
